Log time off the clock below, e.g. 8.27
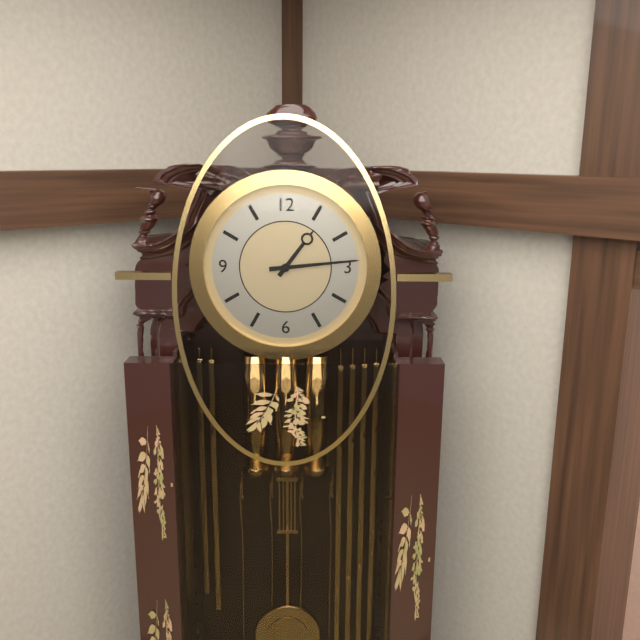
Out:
1.14
